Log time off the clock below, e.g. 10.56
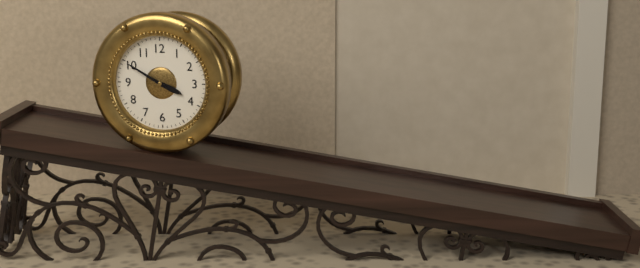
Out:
3.50
